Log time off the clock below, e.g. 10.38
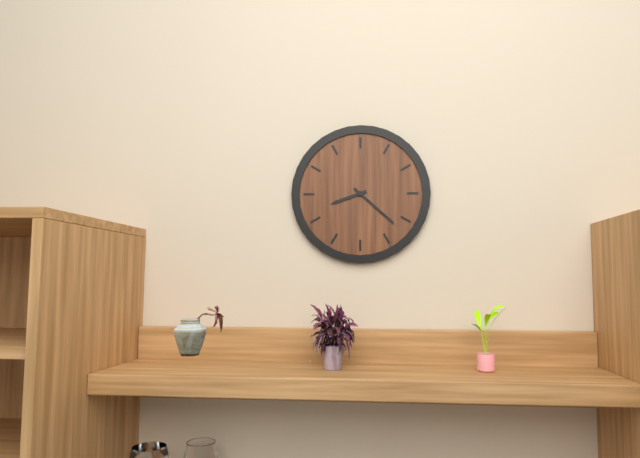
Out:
8.22
